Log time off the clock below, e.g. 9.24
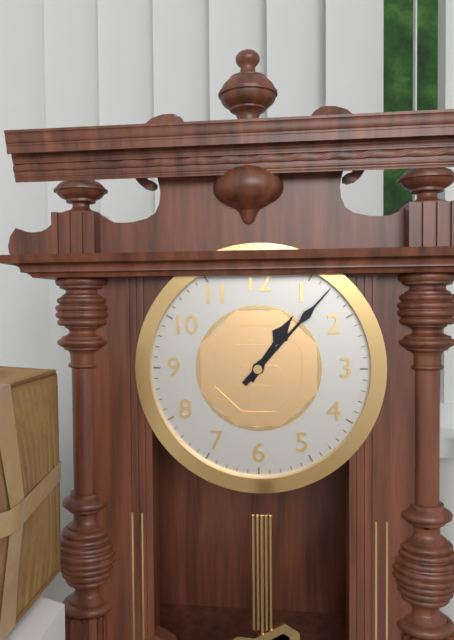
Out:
1.07
